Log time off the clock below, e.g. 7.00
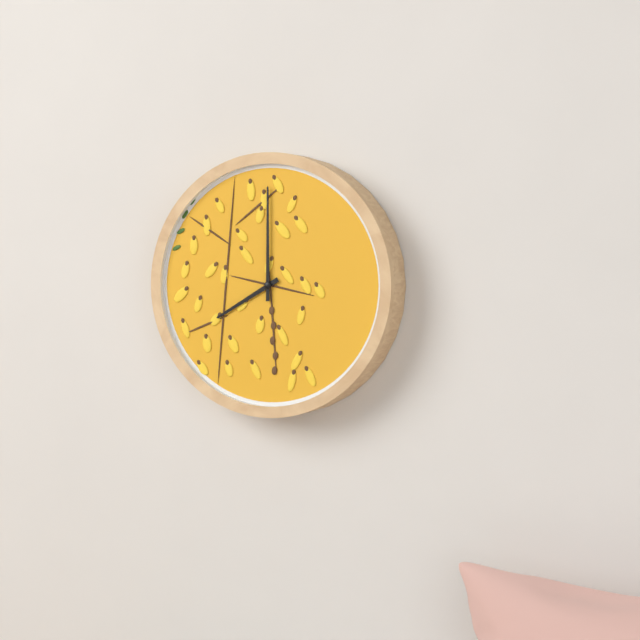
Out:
8.00
